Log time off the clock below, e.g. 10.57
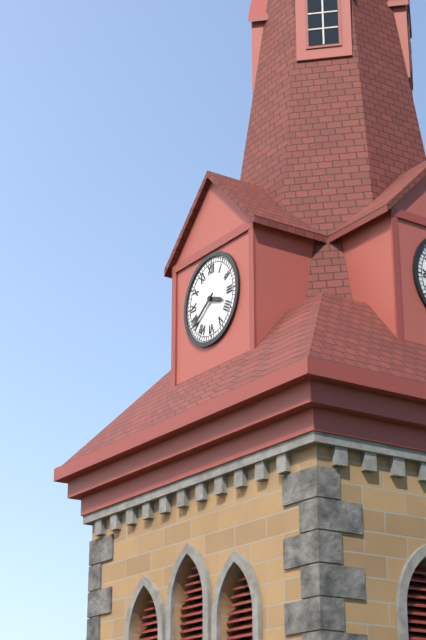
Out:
3.39
